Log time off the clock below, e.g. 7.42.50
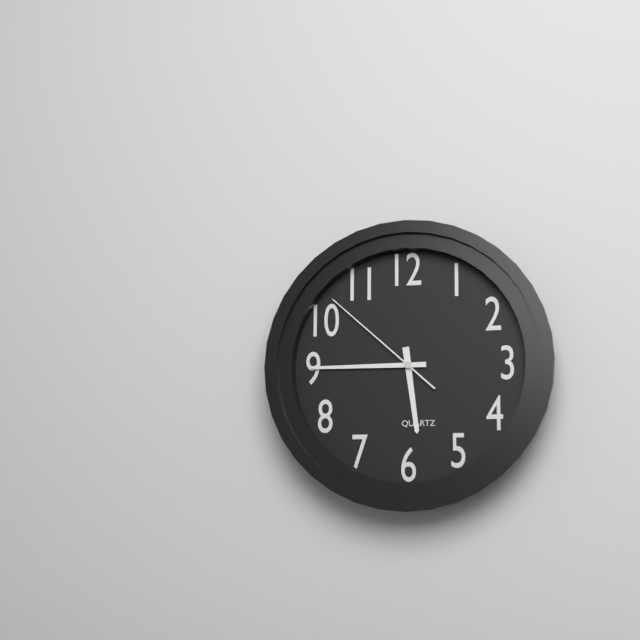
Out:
5.45.52
